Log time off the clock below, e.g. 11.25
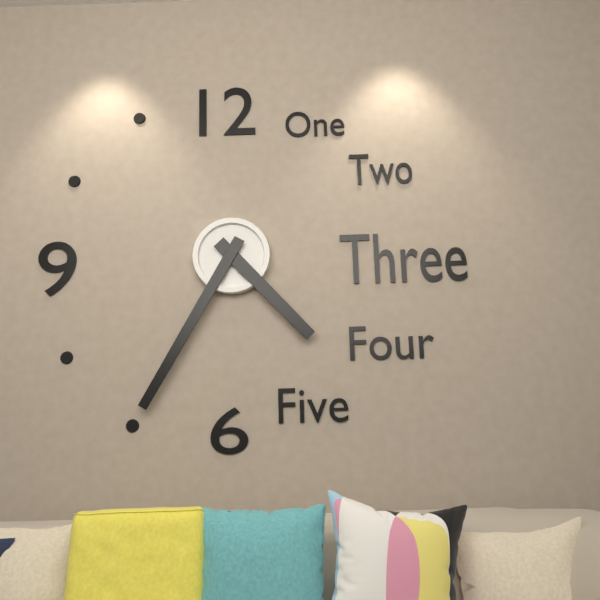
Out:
4.35
